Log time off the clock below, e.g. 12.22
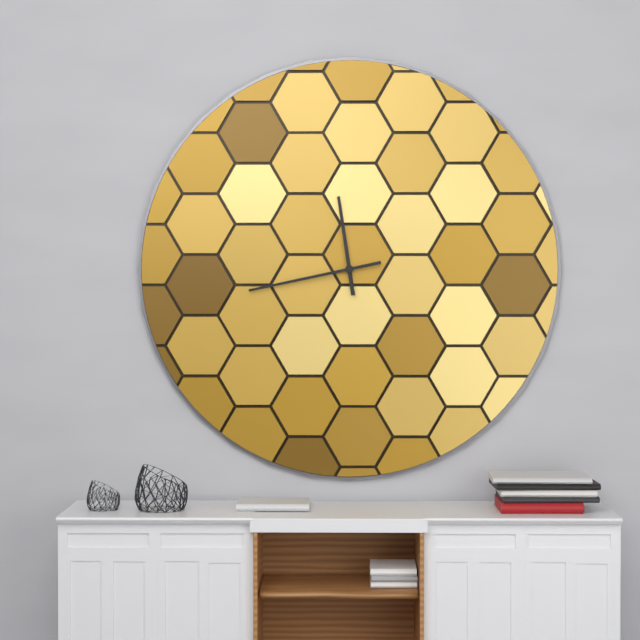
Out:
11.43
